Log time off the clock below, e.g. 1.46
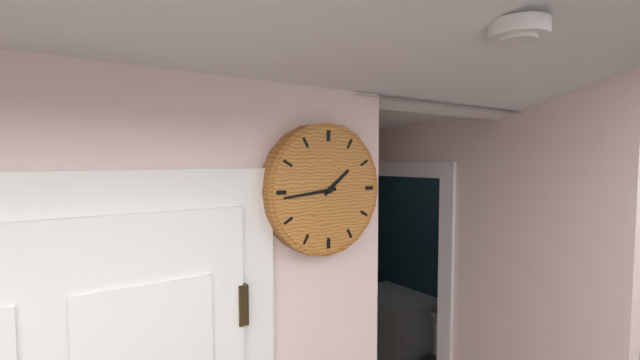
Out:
1.44
